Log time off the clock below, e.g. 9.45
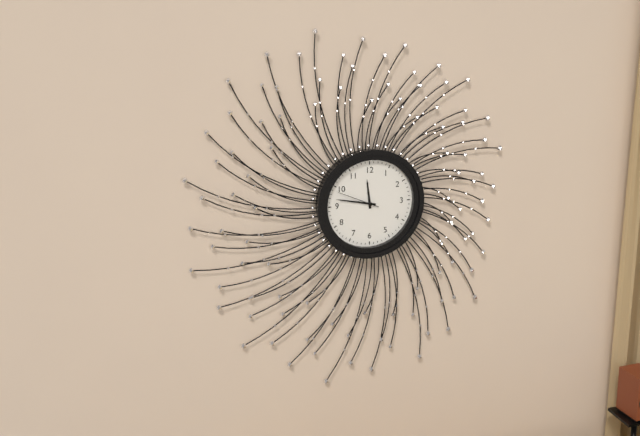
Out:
11.47
